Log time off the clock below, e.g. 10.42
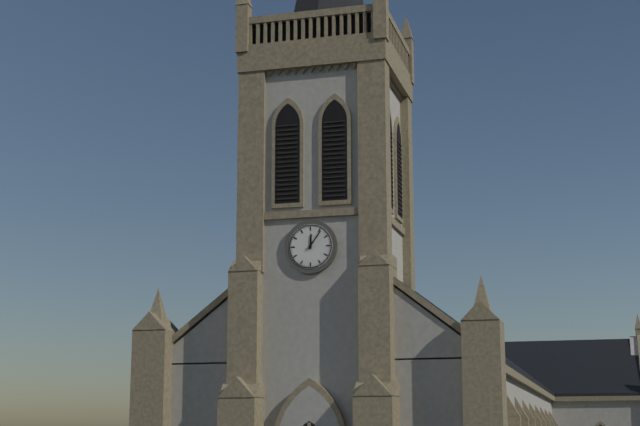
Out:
12.06
